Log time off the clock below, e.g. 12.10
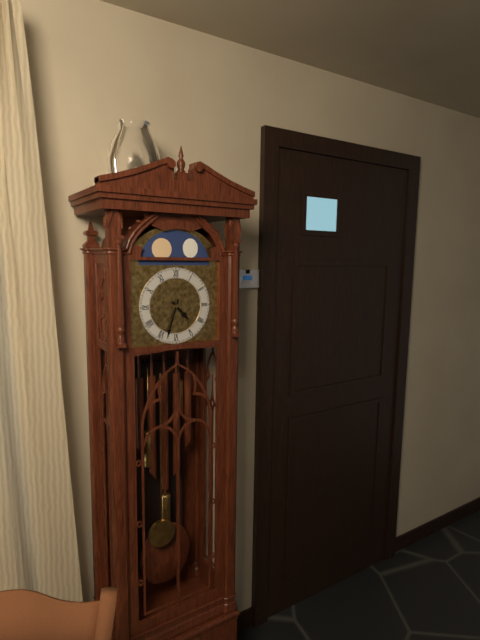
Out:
4.33
